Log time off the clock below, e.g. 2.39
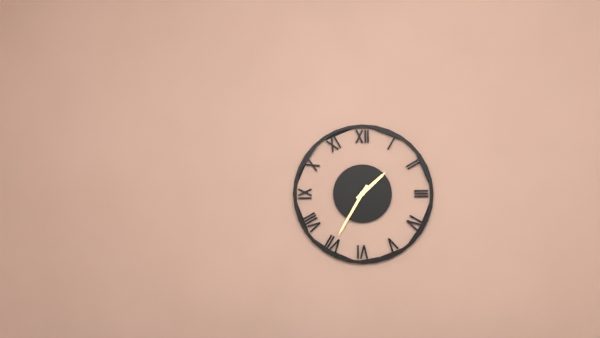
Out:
1.35
